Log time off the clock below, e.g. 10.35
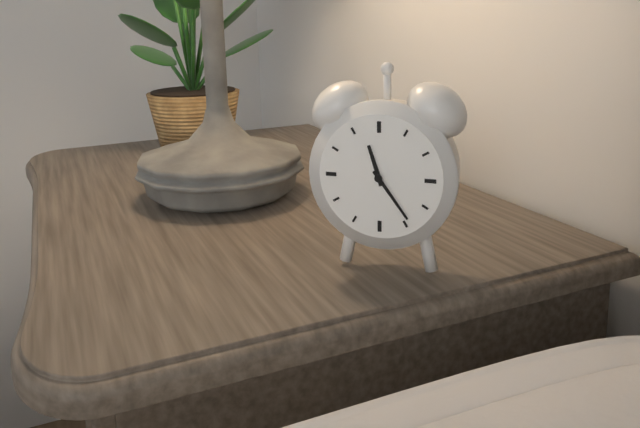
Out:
11.24
